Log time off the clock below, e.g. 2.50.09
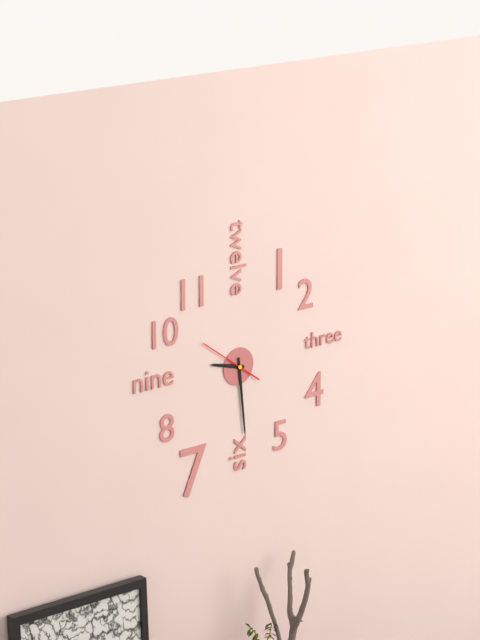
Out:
9.29.51
